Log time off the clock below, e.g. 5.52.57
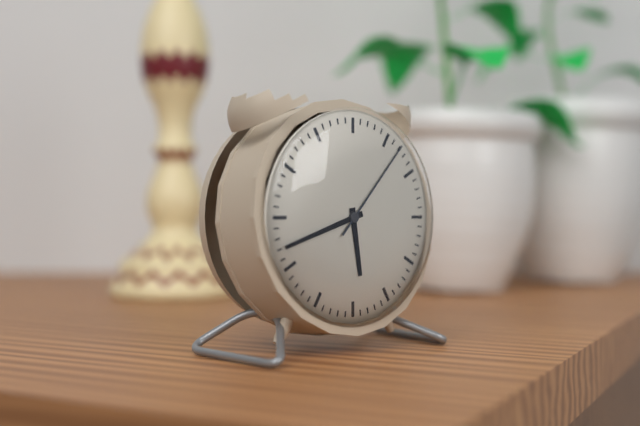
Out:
5.42.07
